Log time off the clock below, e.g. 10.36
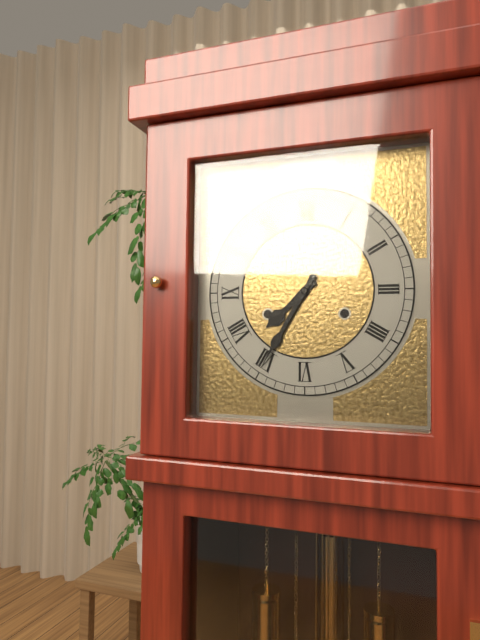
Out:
7.35
